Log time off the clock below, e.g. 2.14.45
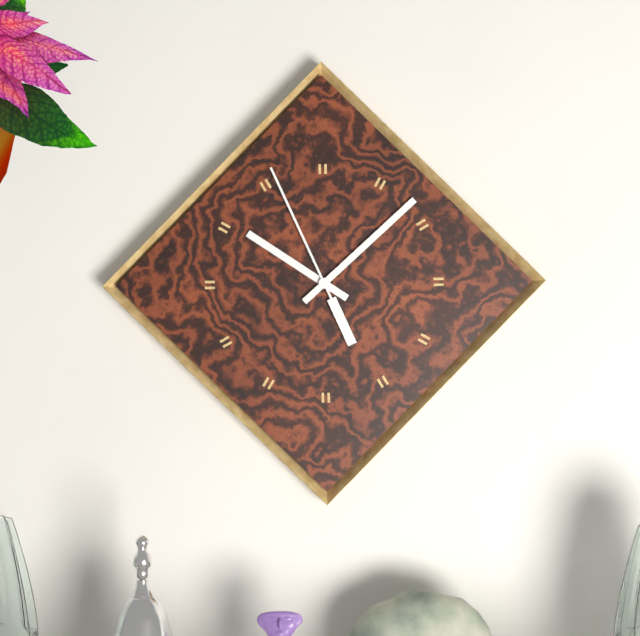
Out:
10.08.56
